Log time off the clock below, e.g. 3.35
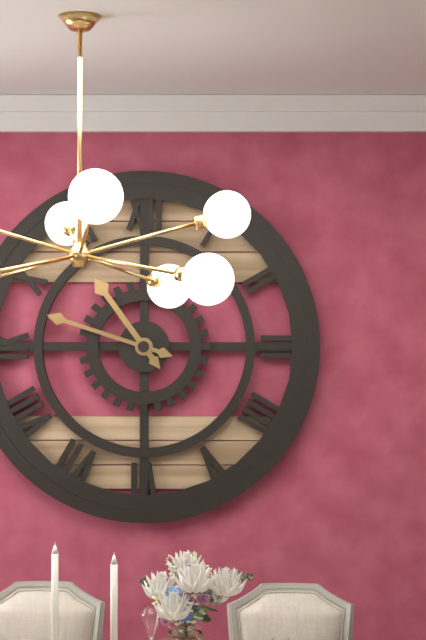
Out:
10.48
